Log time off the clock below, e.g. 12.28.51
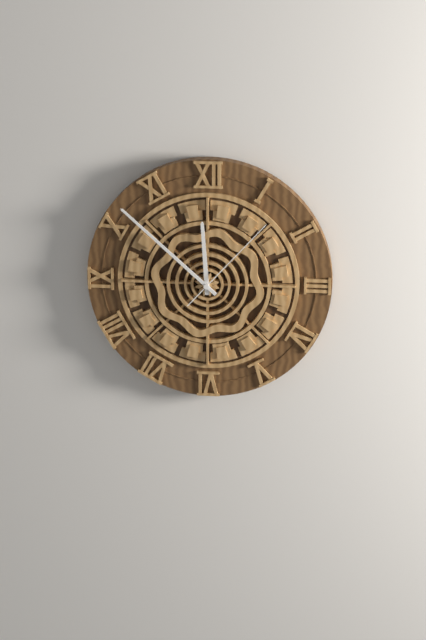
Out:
11.52.07
